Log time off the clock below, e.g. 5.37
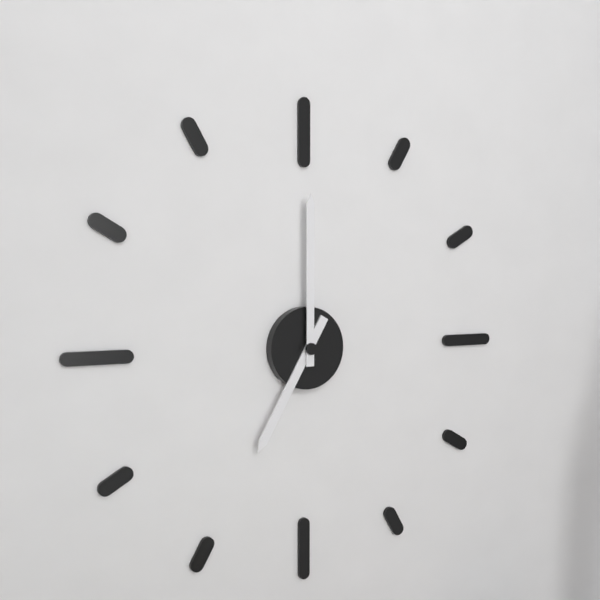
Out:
7.00
